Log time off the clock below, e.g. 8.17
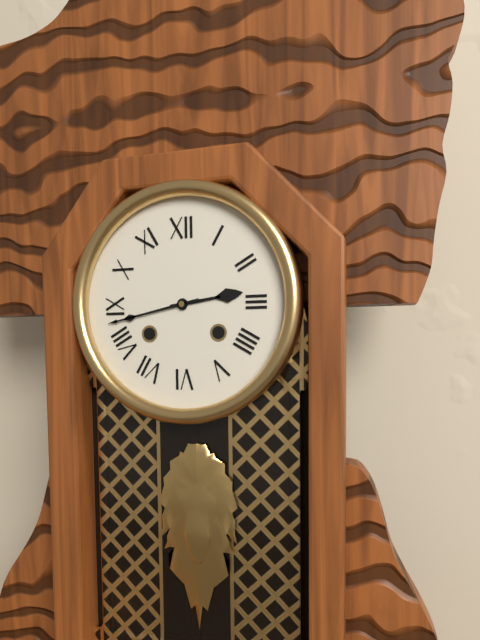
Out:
2.43
